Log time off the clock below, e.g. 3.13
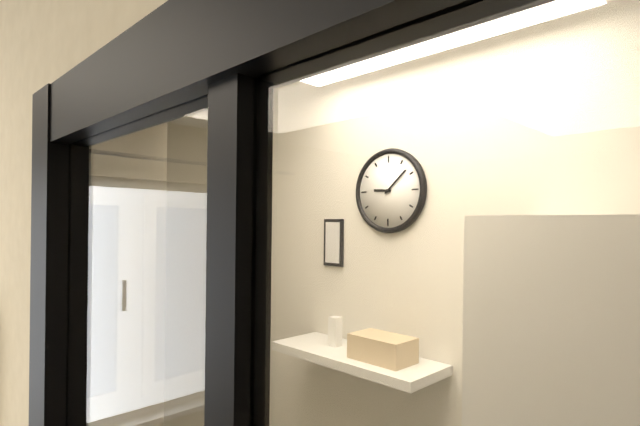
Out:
9.08
